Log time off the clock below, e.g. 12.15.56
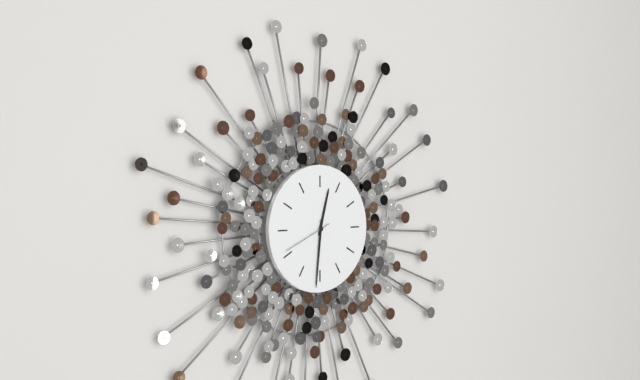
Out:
12.31.41
